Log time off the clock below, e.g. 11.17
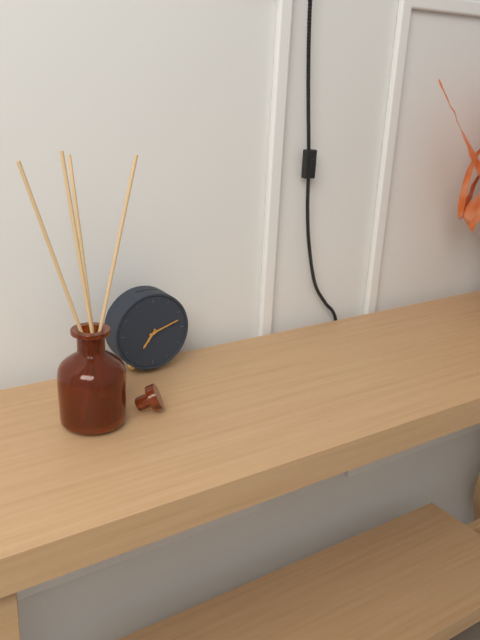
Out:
7.12
